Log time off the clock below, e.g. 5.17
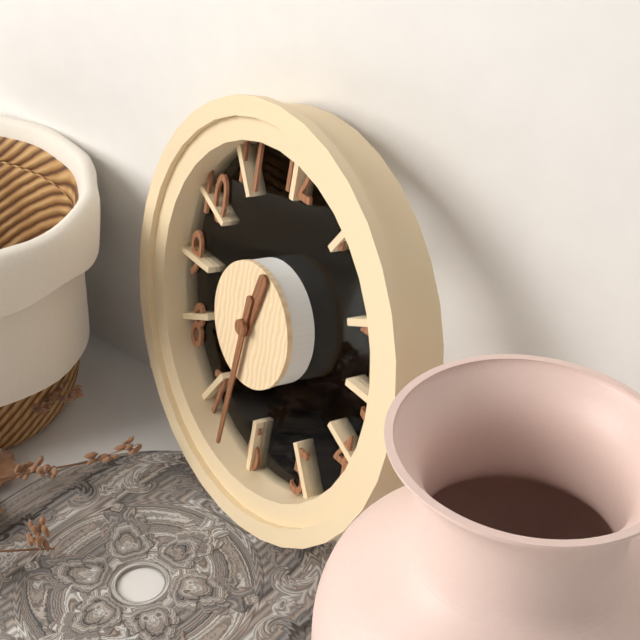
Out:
12.31
